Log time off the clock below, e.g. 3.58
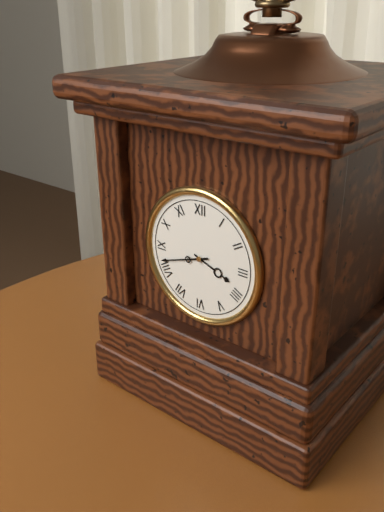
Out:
3.42
